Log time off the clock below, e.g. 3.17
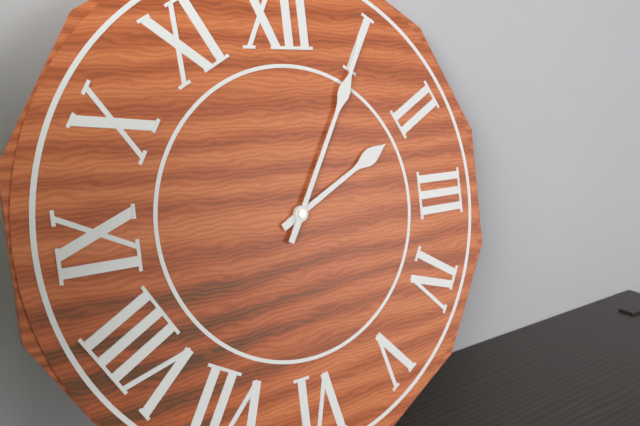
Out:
2.05
